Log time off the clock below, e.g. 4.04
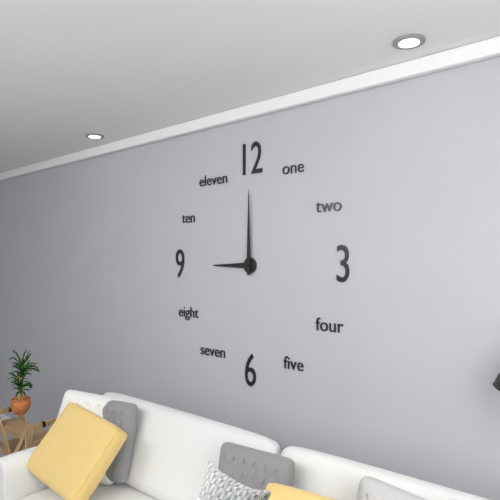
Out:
9.00
